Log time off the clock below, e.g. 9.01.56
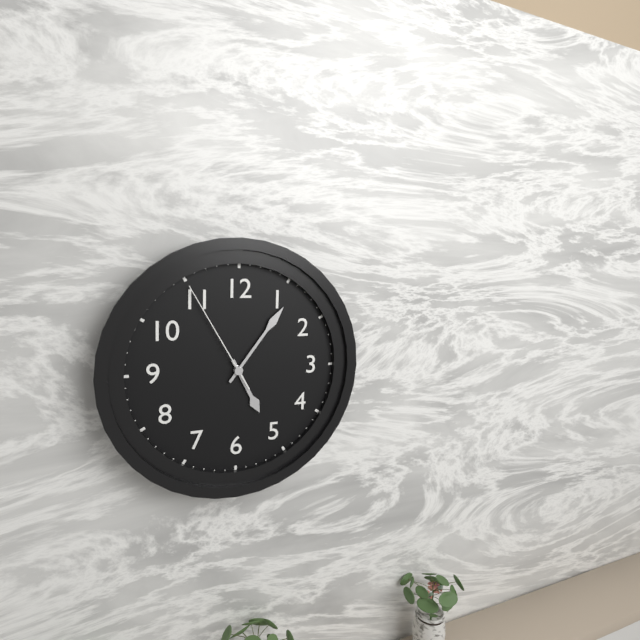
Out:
5.06.55
